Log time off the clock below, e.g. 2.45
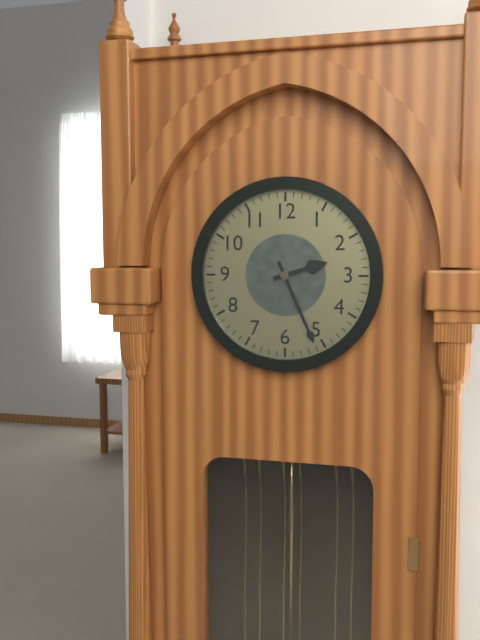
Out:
2.26
